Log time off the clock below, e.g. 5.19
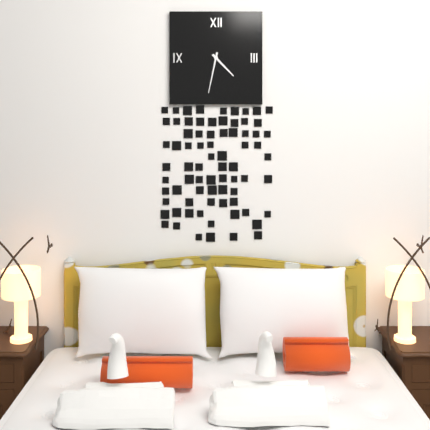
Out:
4.32
